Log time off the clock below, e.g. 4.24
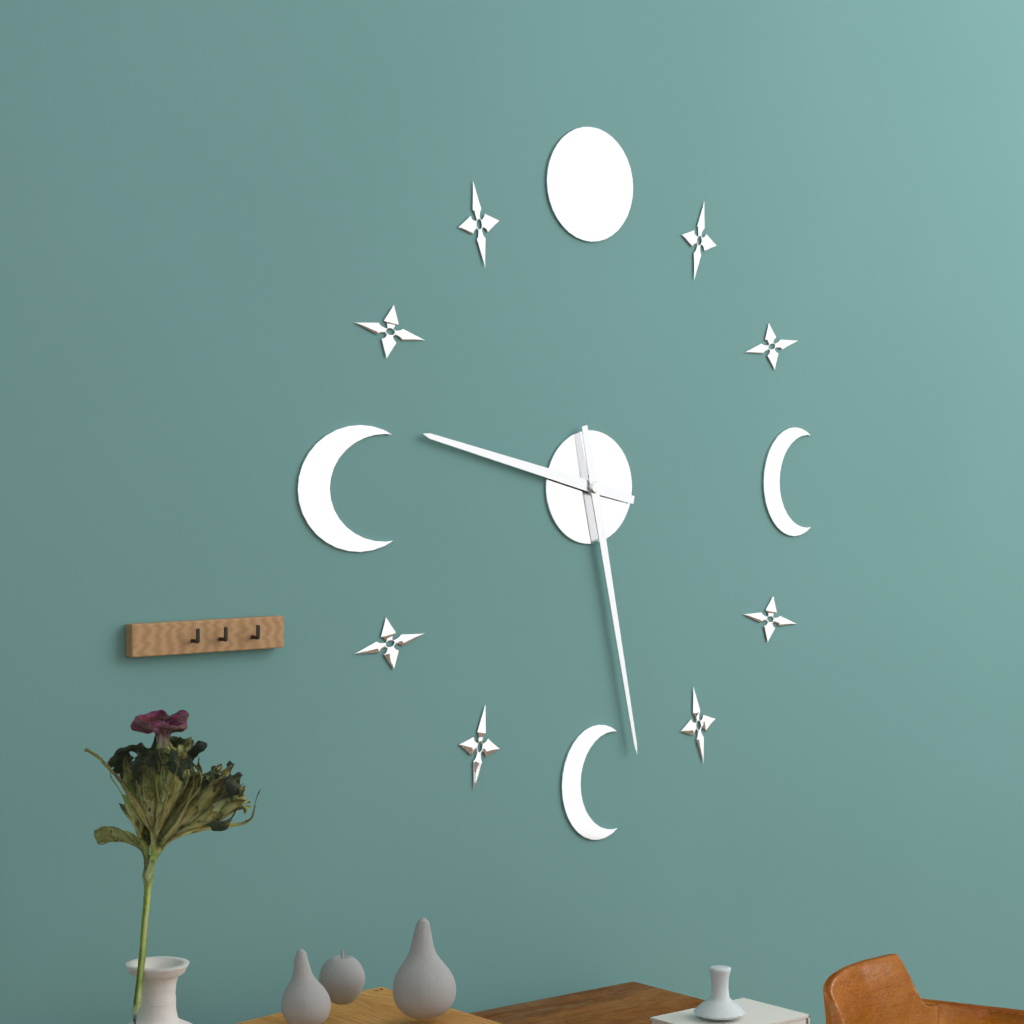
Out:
9.28
